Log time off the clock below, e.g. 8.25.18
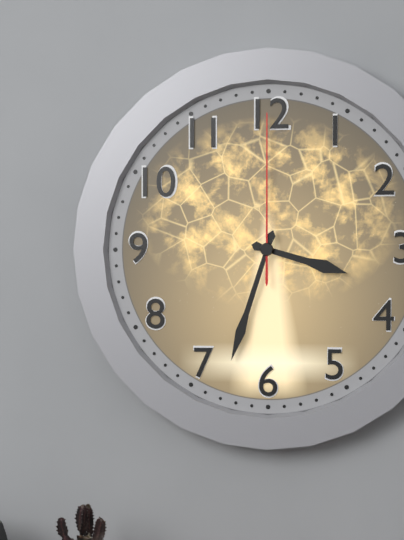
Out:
3.33.00
